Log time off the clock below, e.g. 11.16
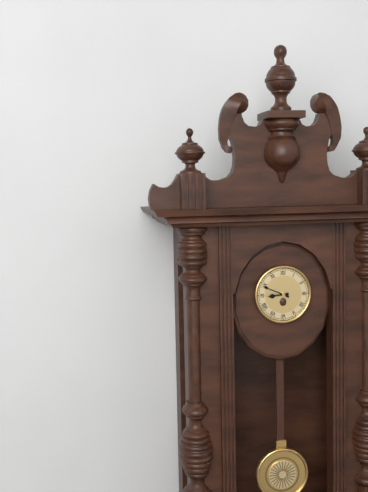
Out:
8.49
